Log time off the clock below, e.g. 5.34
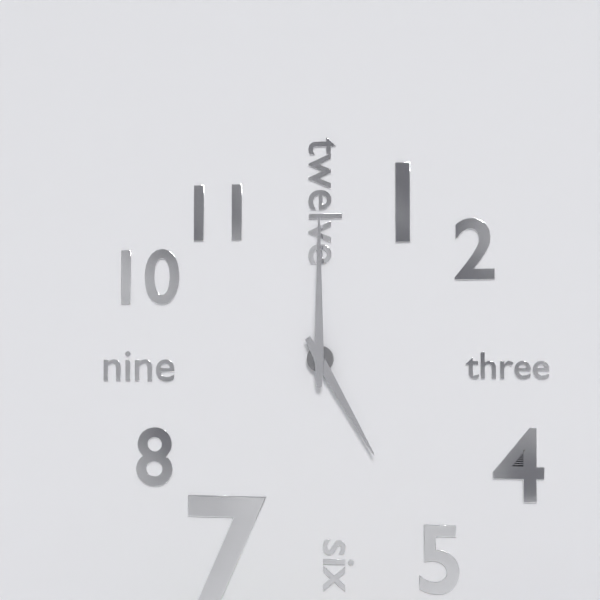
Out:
5.00
